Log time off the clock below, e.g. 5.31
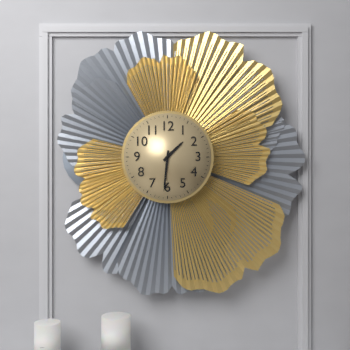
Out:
1.31
